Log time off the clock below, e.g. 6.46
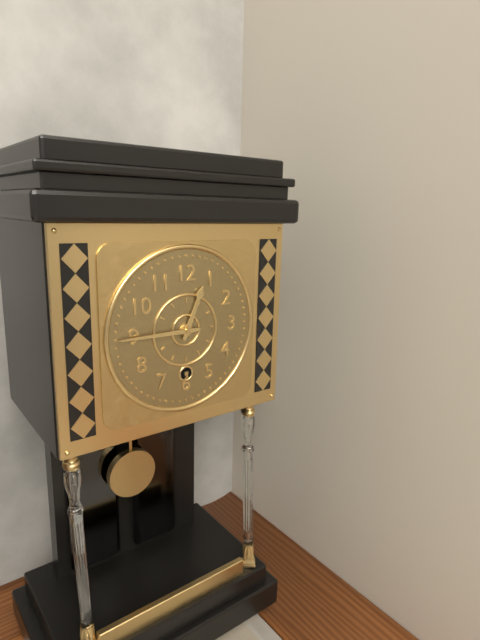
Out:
12.45
